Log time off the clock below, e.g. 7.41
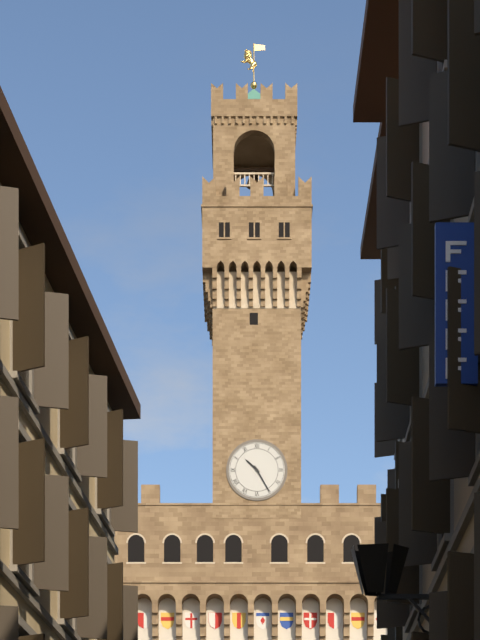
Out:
10.25
